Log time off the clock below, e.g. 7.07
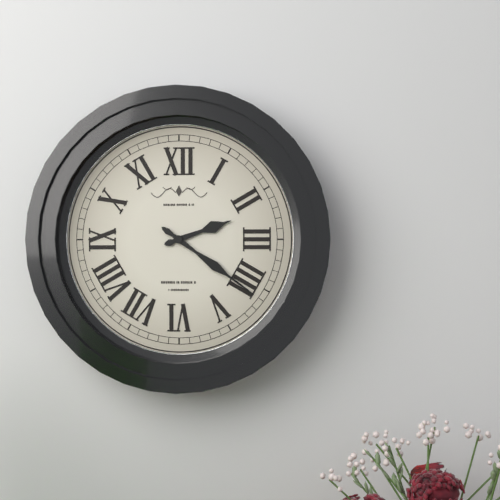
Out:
2.21
